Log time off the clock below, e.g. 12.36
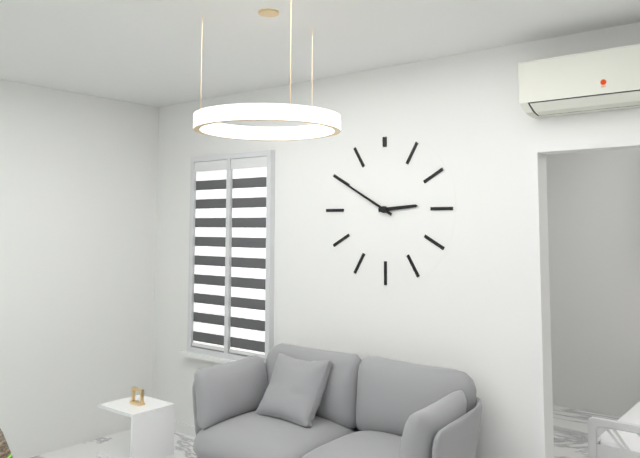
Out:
2.50
